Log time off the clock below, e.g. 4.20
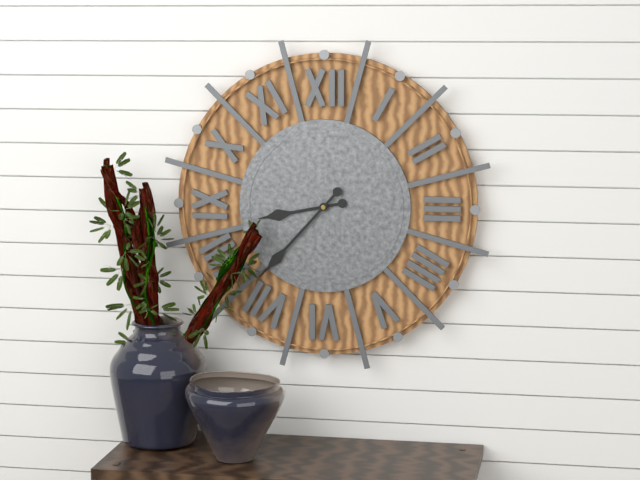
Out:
8.37
